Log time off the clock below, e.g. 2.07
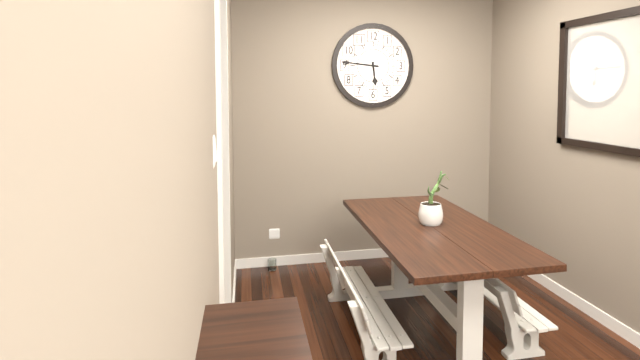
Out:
5.46
